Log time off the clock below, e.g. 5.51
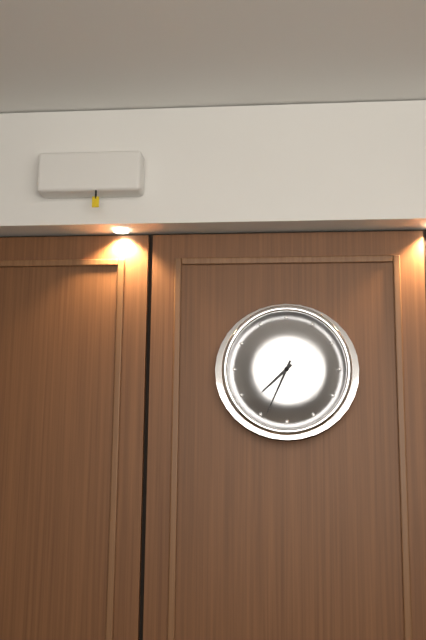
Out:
7.34
